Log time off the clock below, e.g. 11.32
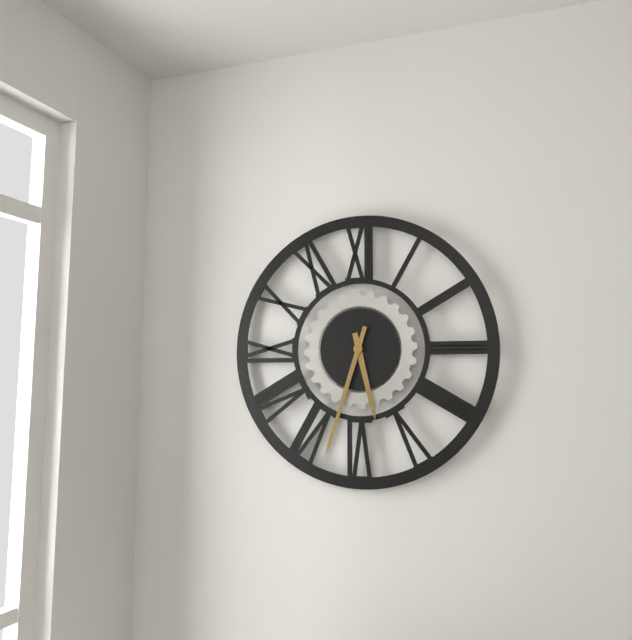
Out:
5.33
